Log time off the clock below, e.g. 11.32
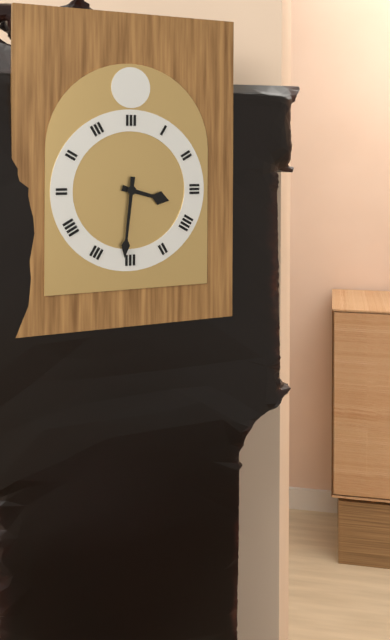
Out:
3.31
